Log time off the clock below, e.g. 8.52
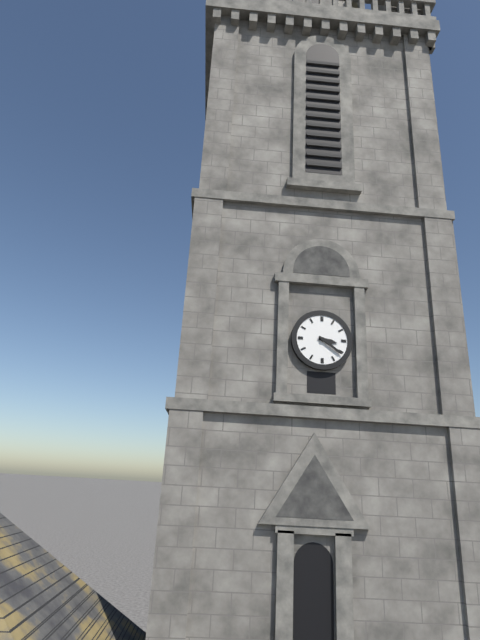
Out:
3.21
